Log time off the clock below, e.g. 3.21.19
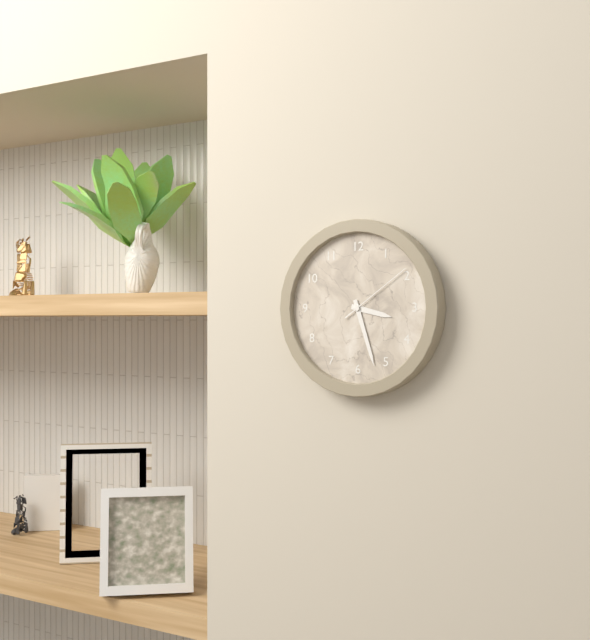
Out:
3.27.09
